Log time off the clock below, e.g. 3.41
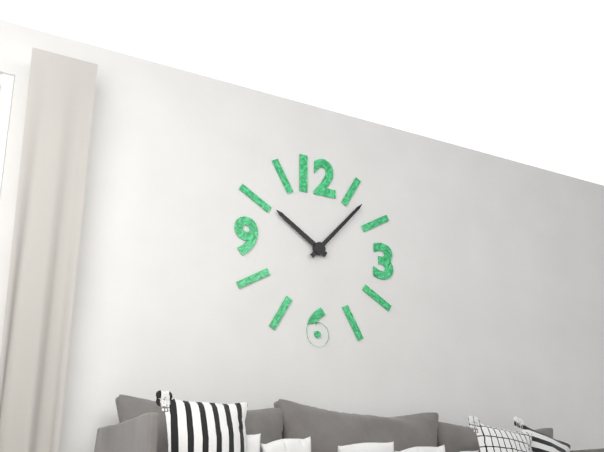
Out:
10.07
